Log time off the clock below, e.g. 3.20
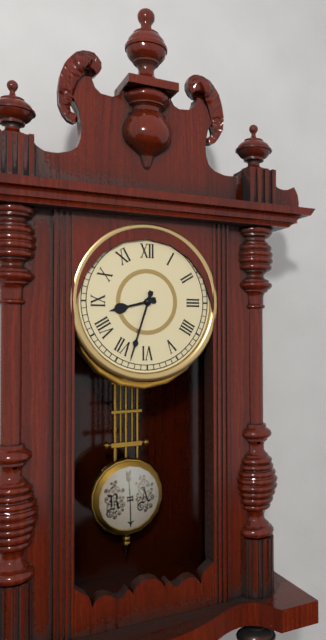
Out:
8.33
